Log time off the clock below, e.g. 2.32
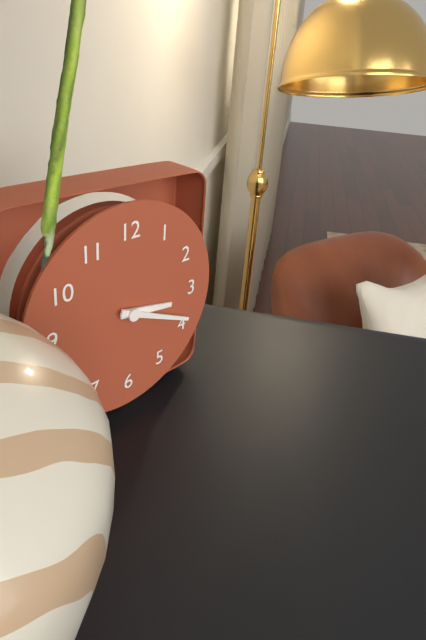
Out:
3.19
